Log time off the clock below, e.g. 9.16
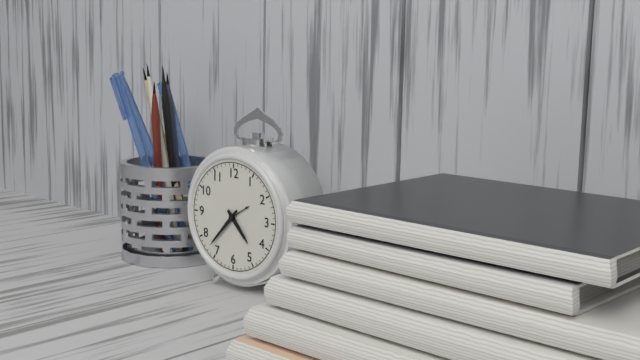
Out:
4.37
